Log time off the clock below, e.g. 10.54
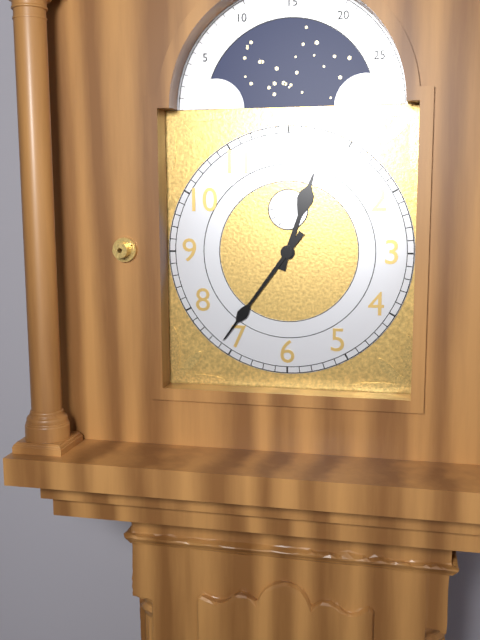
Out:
12.36
